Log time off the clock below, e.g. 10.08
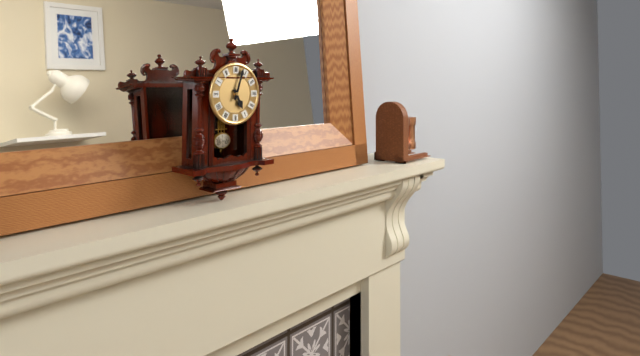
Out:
5.03
